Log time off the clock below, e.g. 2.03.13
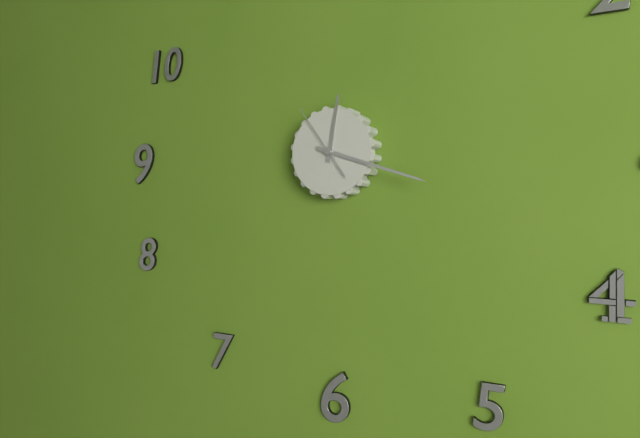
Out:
12.18.54
